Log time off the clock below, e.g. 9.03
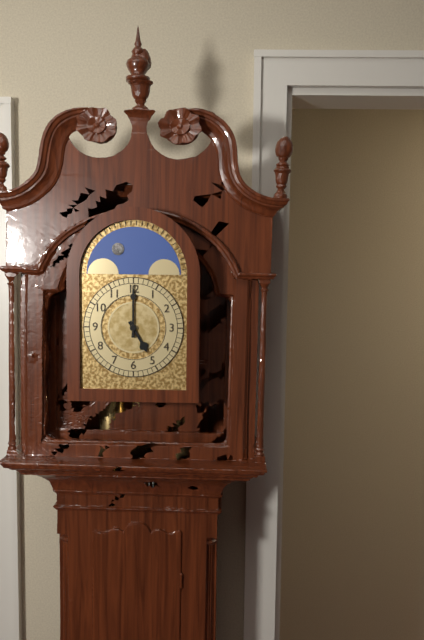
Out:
5.00
